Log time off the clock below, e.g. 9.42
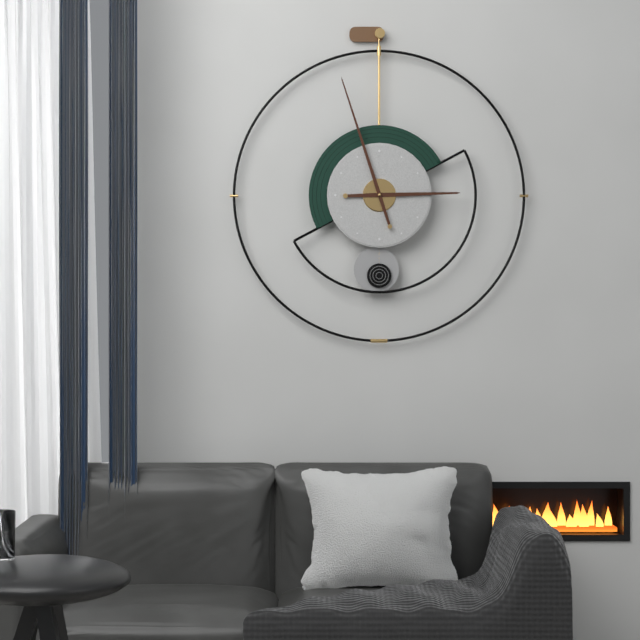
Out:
2.57
